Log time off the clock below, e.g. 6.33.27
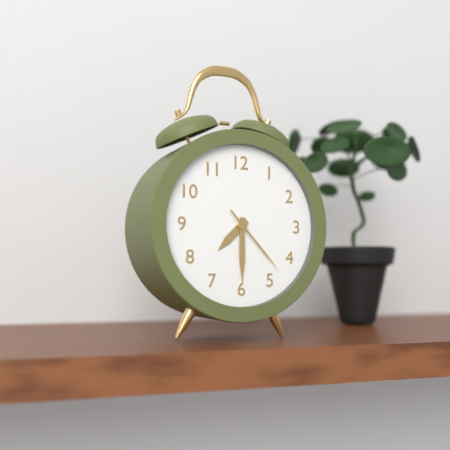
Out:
7.30.23
